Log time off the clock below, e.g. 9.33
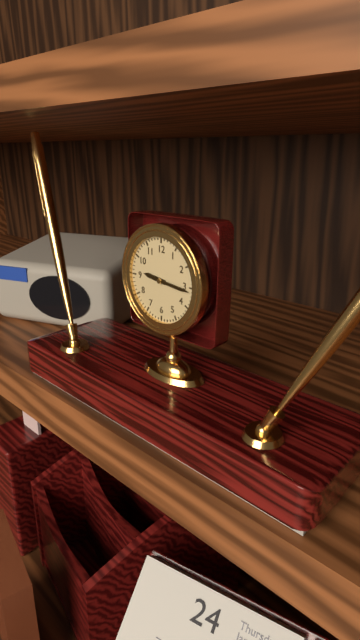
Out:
9.16
